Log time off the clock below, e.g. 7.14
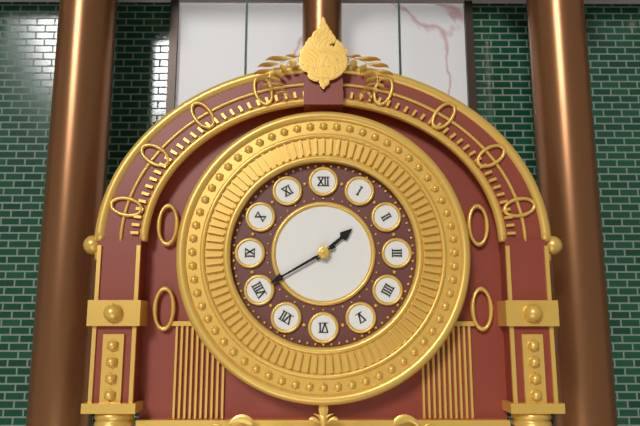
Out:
1.40
